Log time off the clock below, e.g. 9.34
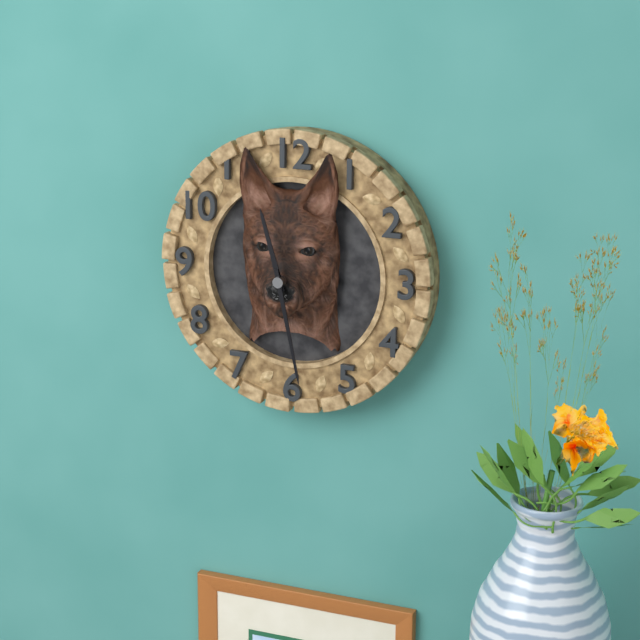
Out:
11.28
